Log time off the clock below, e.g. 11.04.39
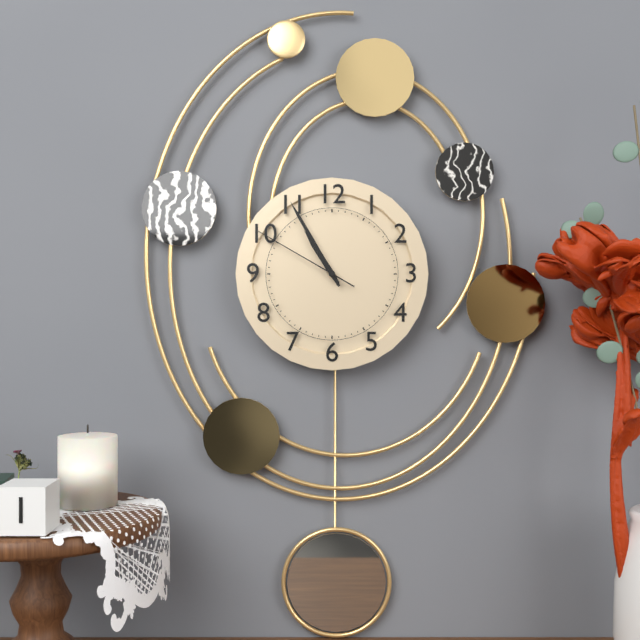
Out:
10.55.50
